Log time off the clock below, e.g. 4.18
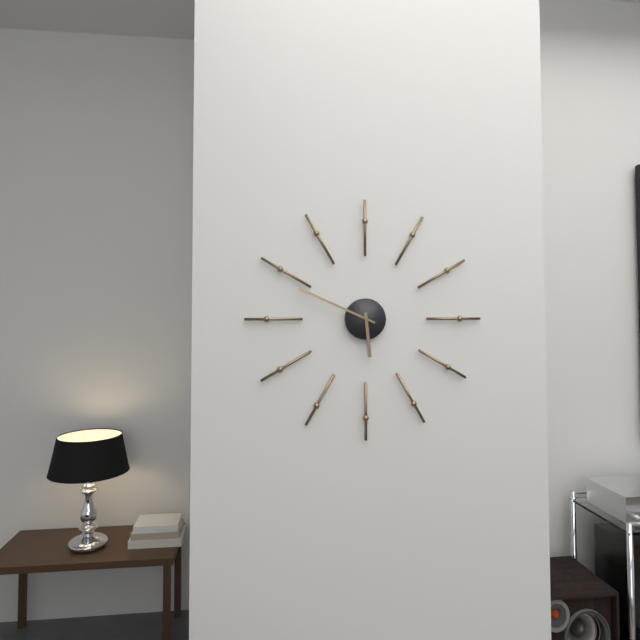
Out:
5.49
